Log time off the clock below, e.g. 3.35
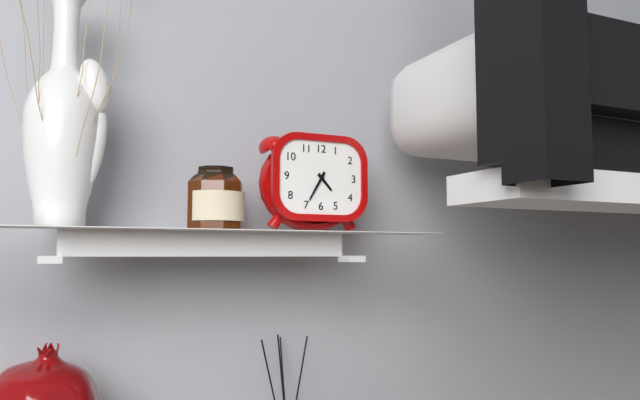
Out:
4.35
